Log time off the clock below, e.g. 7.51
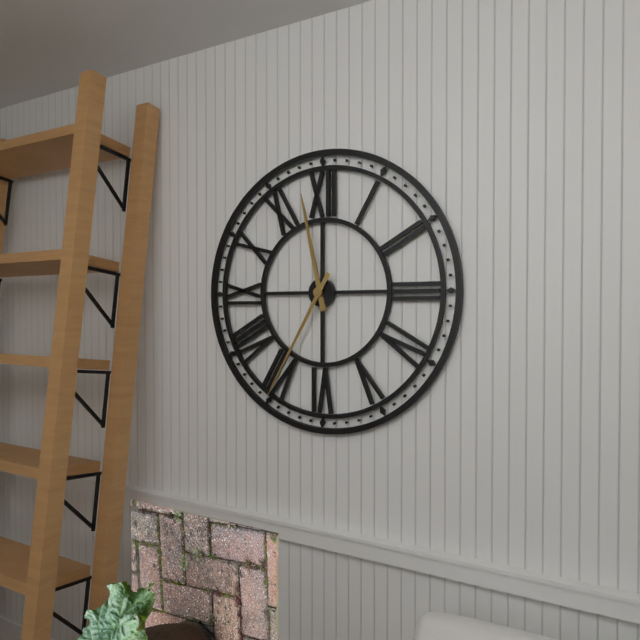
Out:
11.35
